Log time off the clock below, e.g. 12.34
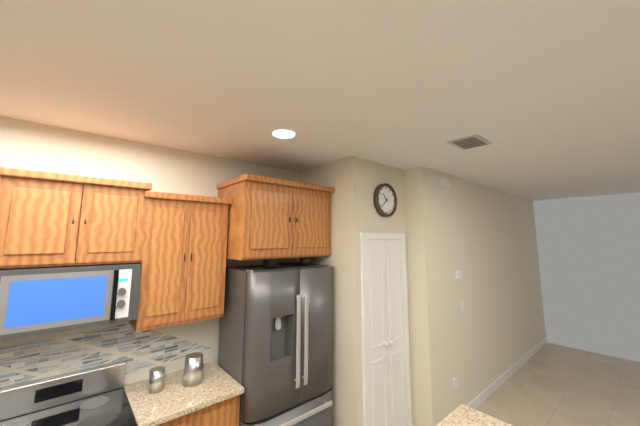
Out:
10.38
